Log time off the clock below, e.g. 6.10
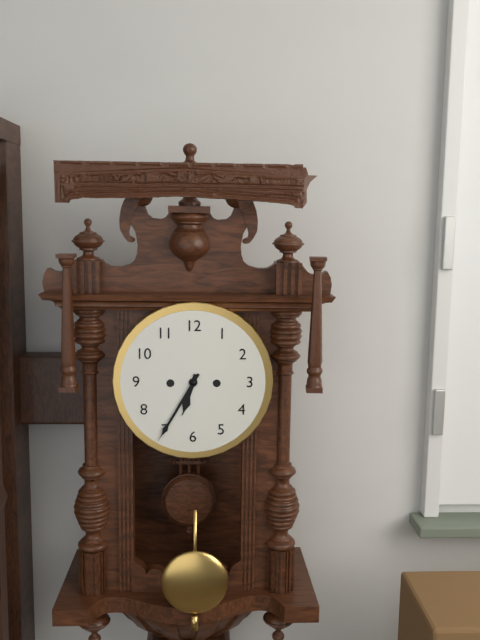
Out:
6.35
